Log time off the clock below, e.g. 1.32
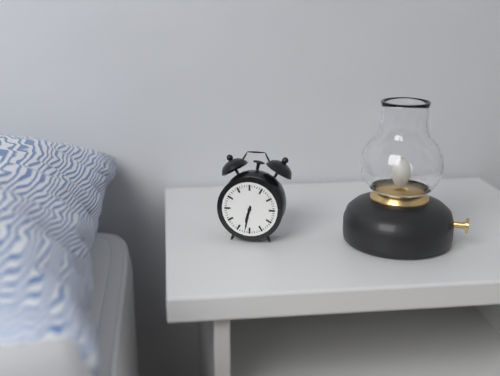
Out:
6.32
